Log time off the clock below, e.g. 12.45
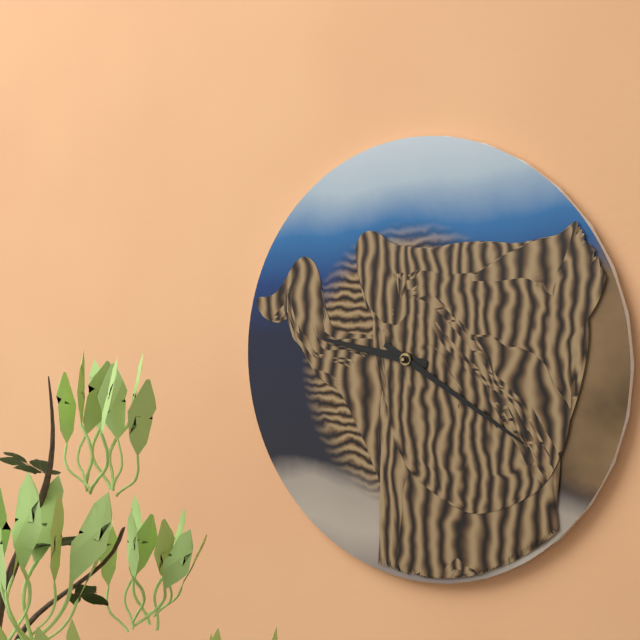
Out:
9.20
